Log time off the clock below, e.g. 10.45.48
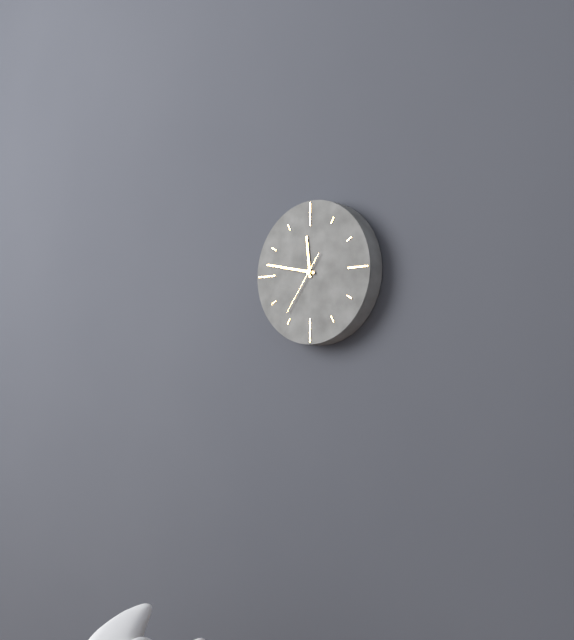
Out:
11.47.36
